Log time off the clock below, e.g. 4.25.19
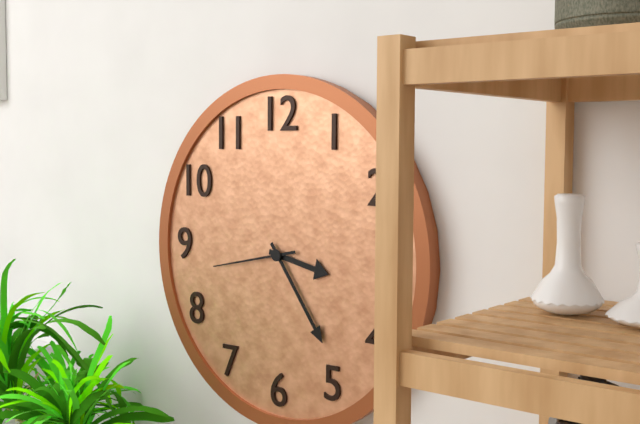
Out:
3.24.43
